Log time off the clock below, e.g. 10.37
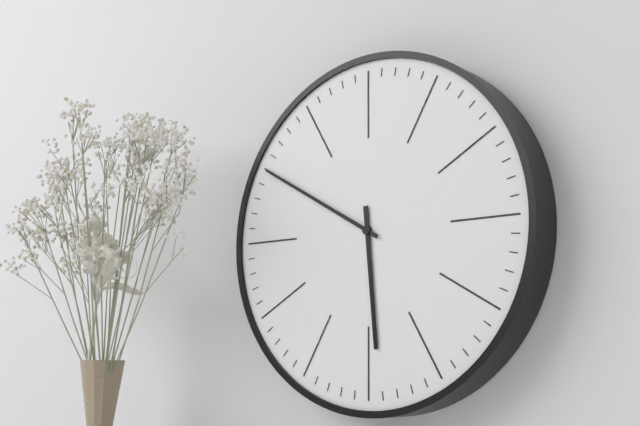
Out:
5.50
